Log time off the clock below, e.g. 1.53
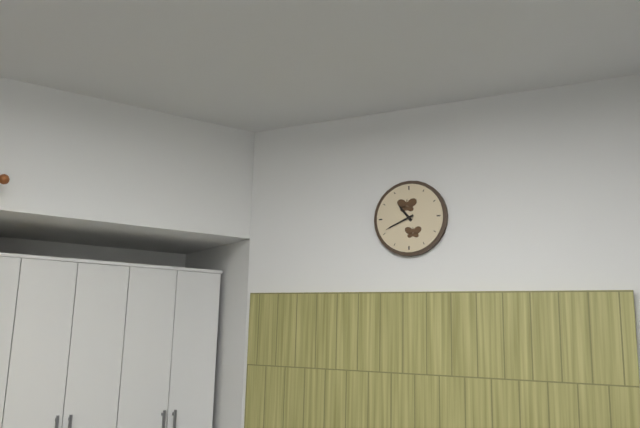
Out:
10.41
